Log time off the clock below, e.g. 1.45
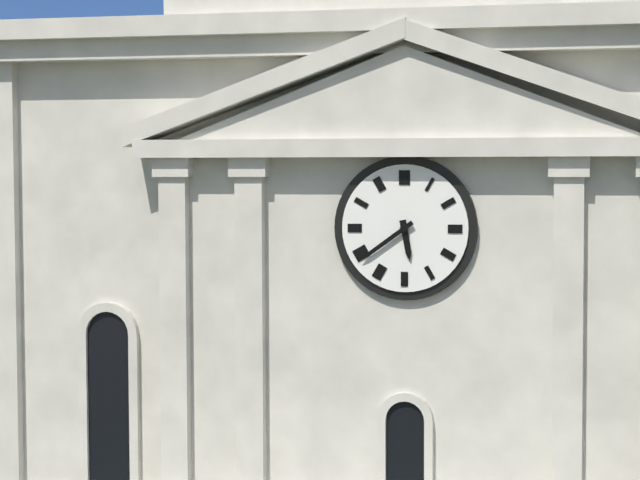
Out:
5.39
